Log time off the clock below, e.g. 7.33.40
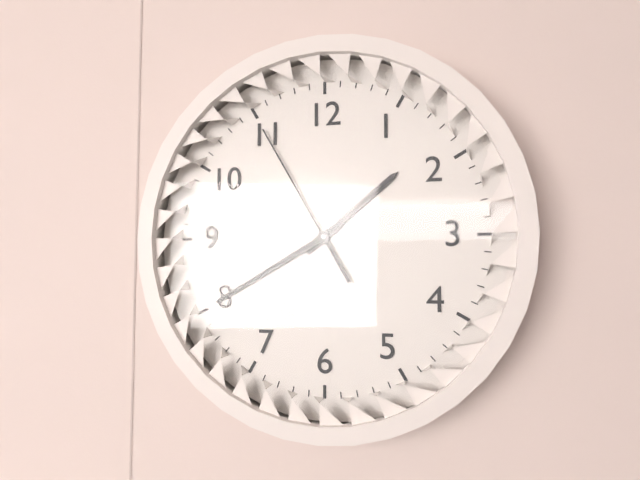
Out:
1.40.55
